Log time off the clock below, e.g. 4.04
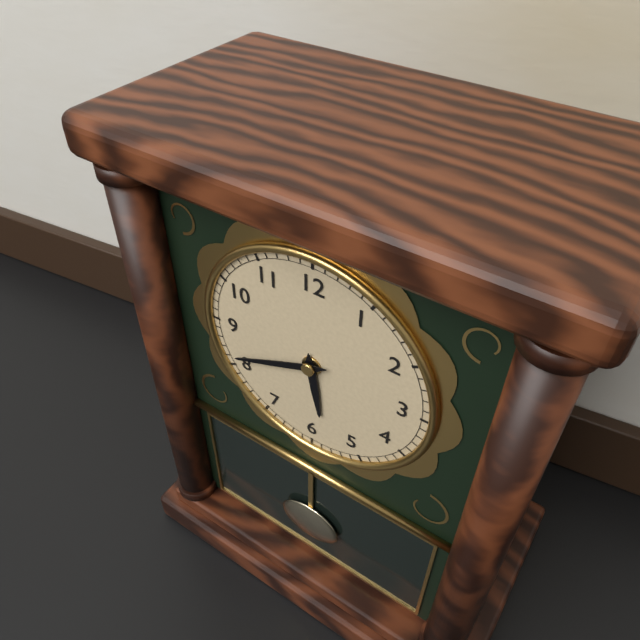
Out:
5.41
